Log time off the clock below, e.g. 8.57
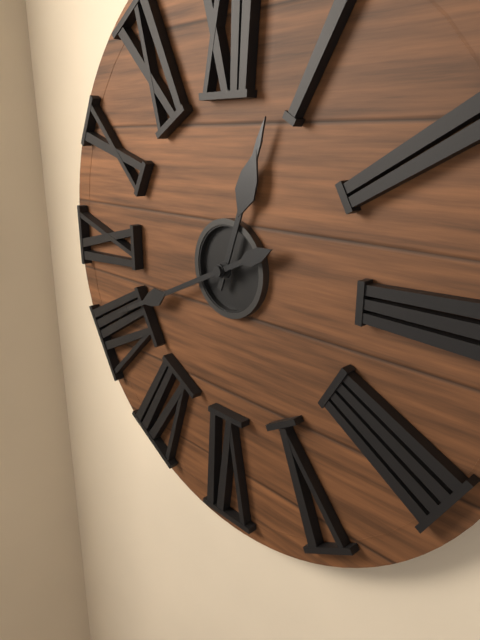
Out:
12.41
